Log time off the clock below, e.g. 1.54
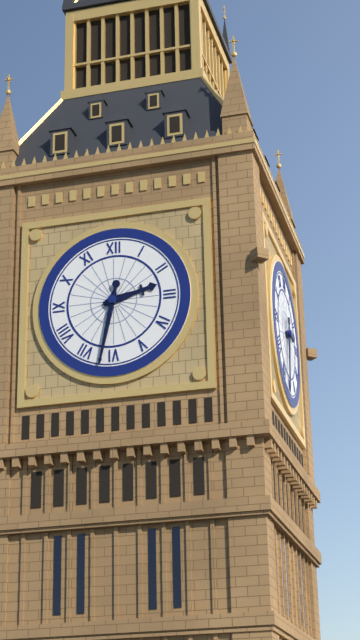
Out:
2.32
